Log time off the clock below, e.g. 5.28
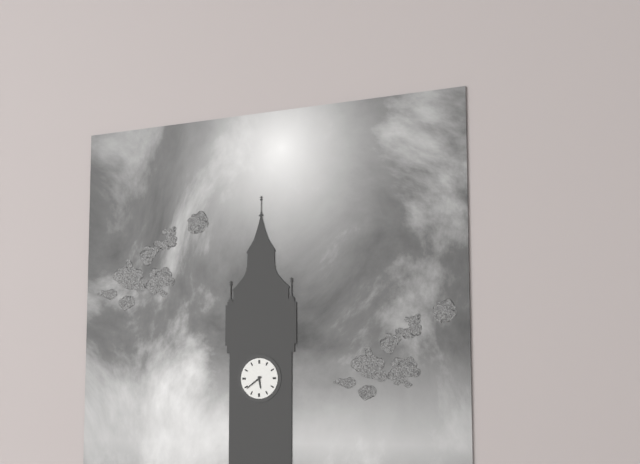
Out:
5.39
